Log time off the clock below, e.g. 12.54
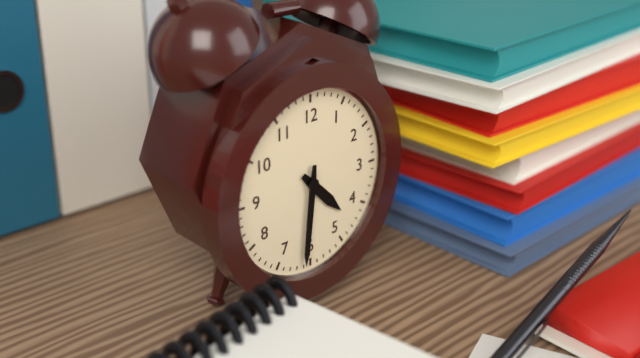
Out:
4.31
